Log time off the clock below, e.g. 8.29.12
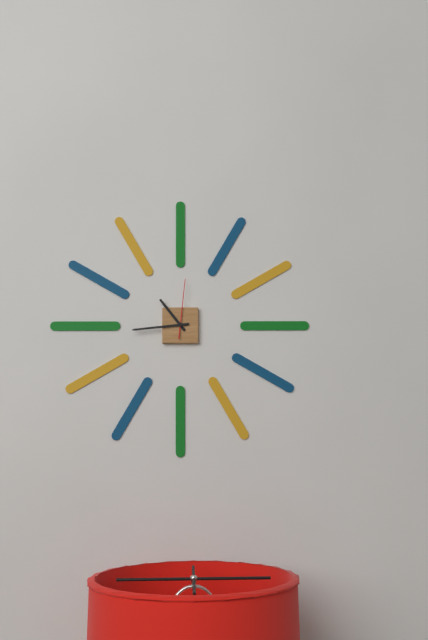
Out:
10.44.01
